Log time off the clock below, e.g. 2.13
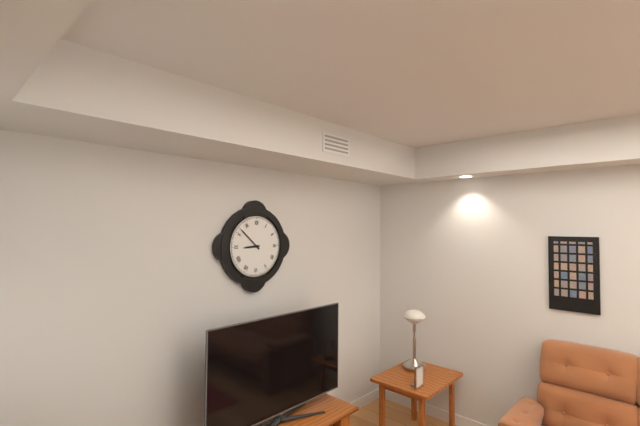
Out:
8.52
